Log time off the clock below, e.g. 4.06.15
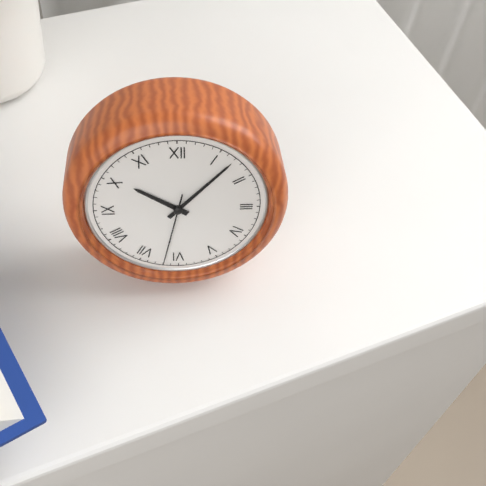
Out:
10.07.32
